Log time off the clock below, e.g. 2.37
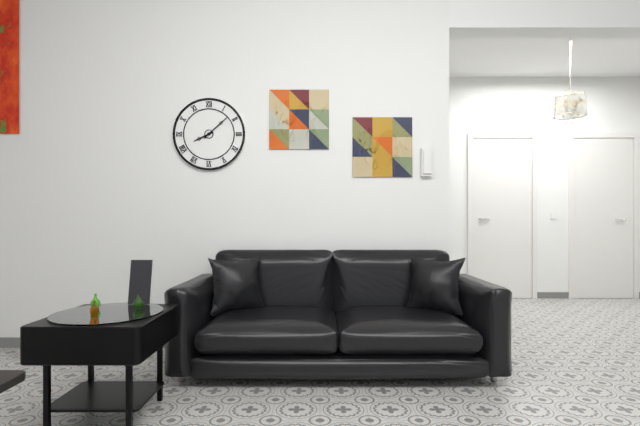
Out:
8.08
